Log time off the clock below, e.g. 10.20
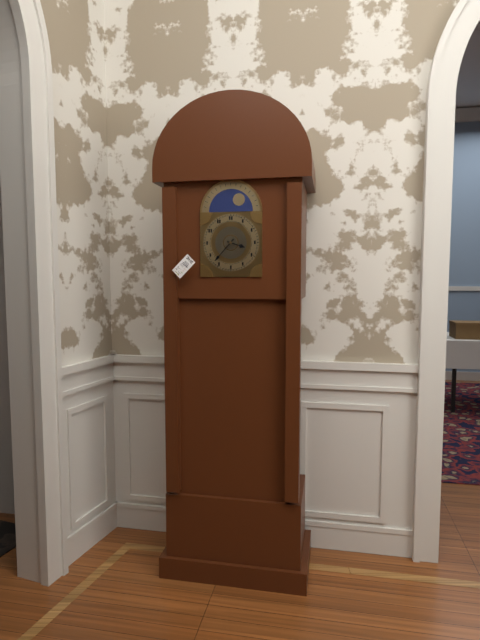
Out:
3.37
